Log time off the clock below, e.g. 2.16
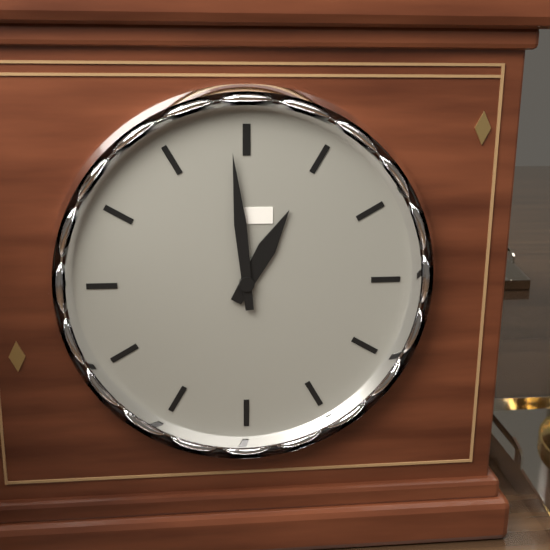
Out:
12.59
